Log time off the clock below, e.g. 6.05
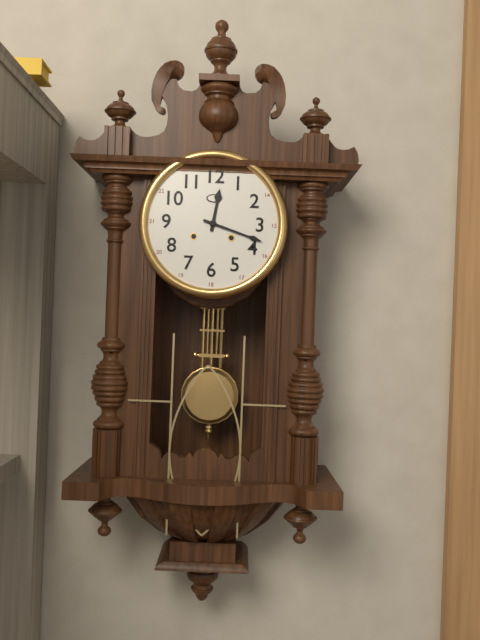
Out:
12.18
